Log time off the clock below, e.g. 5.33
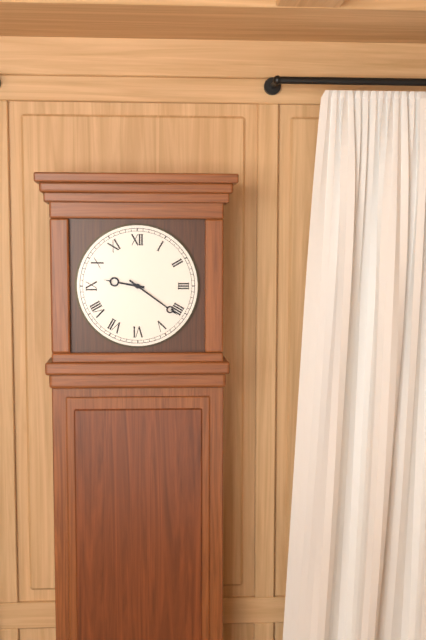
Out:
9.21
